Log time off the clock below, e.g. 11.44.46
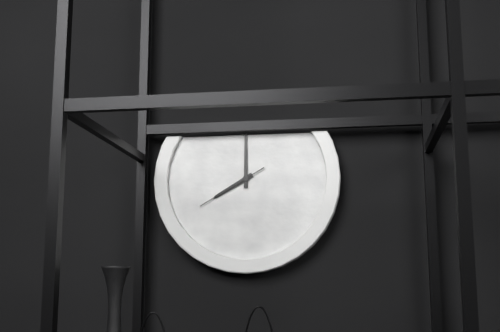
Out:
8.00.40
